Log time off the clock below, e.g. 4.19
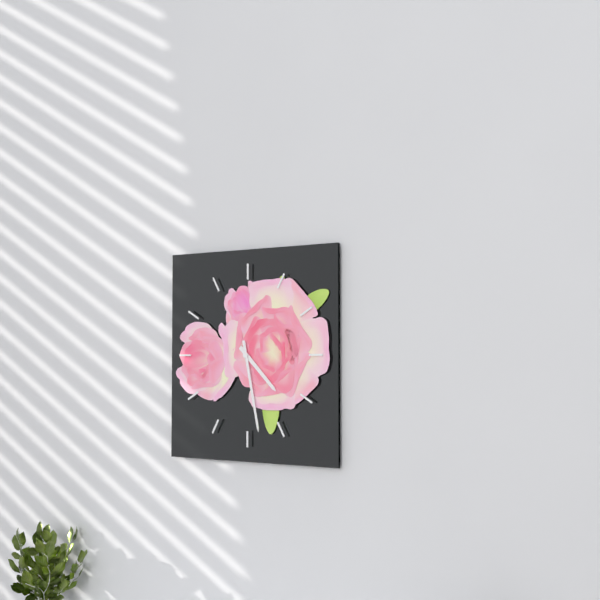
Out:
4.28
